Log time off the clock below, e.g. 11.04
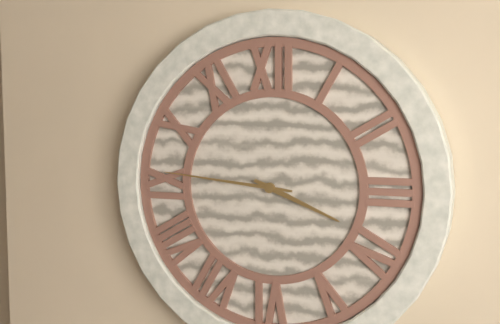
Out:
3.46
